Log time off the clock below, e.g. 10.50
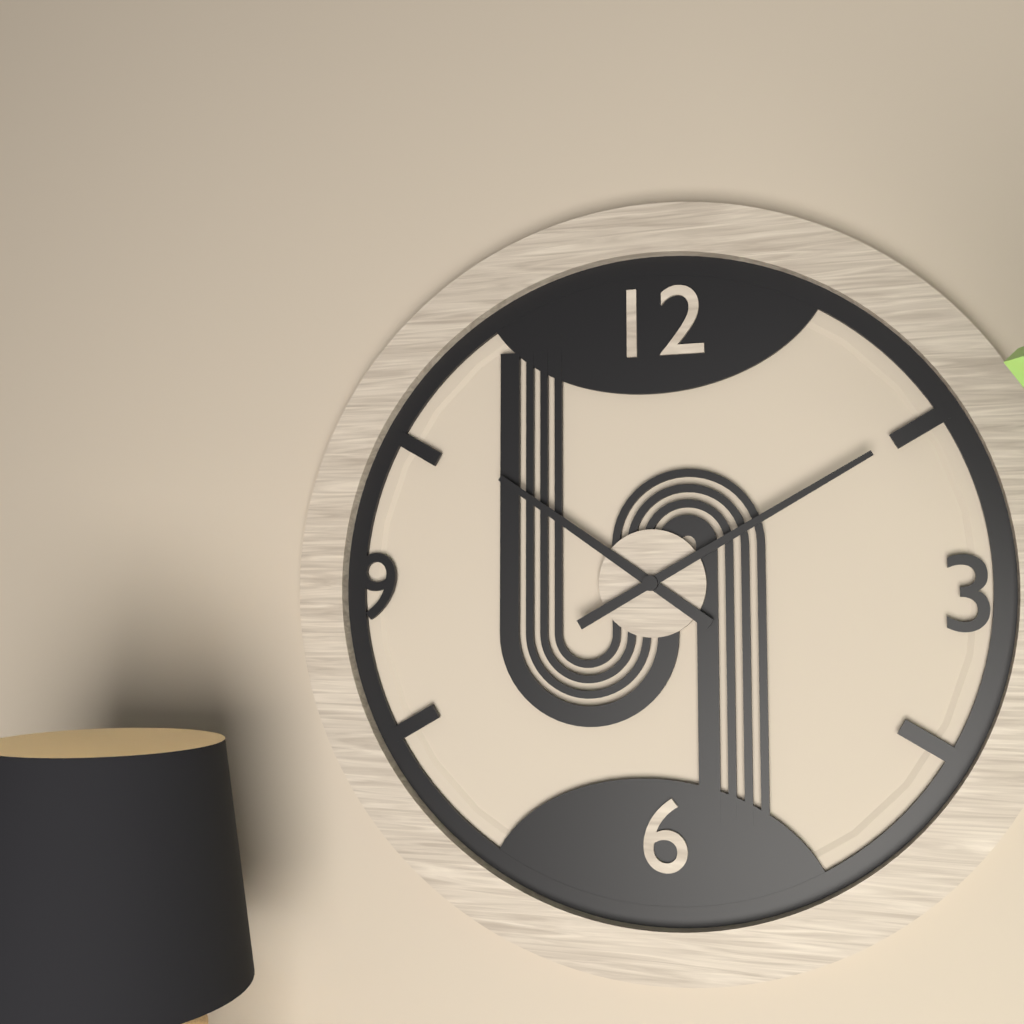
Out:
10.10
